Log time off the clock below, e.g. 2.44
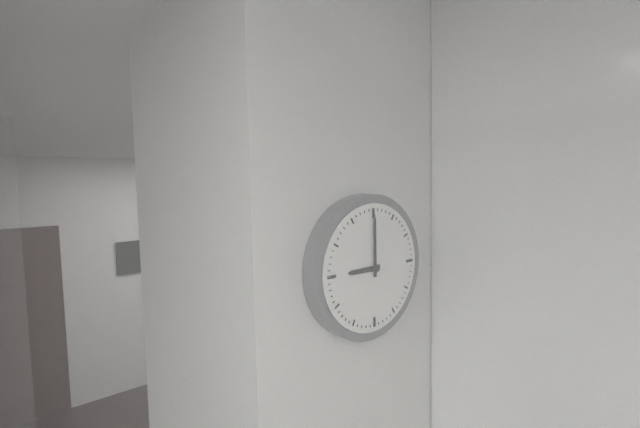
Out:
9.00
